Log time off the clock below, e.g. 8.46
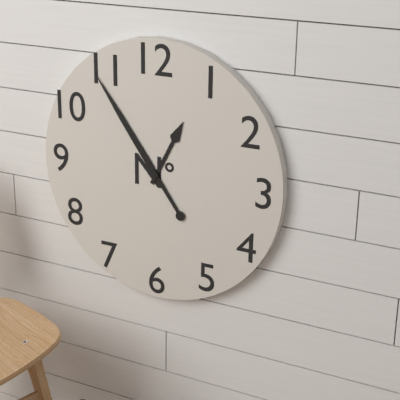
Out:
12.54
